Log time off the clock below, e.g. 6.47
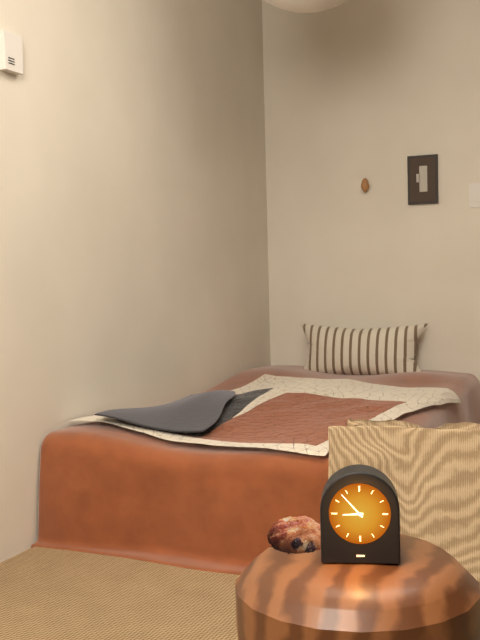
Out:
8.53
